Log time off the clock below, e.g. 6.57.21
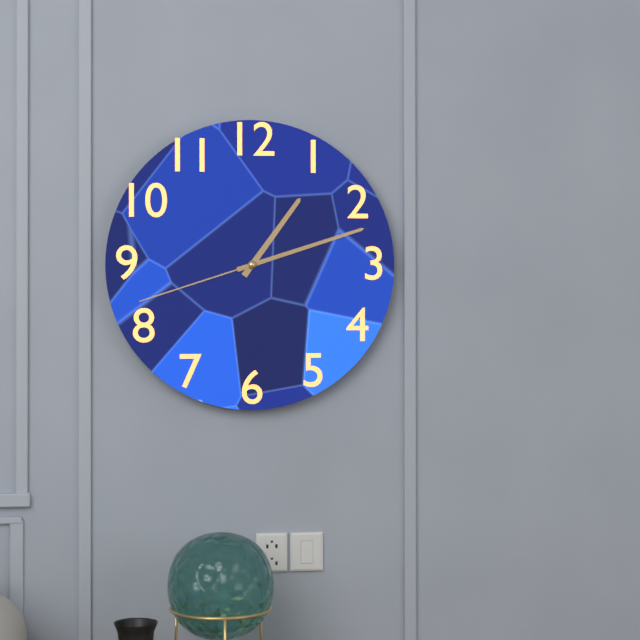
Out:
1.12.42
